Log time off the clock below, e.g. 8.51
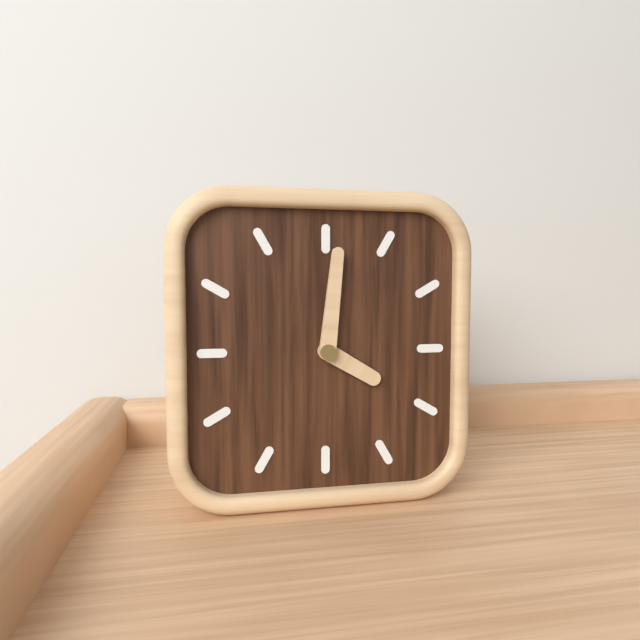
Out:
4.01
